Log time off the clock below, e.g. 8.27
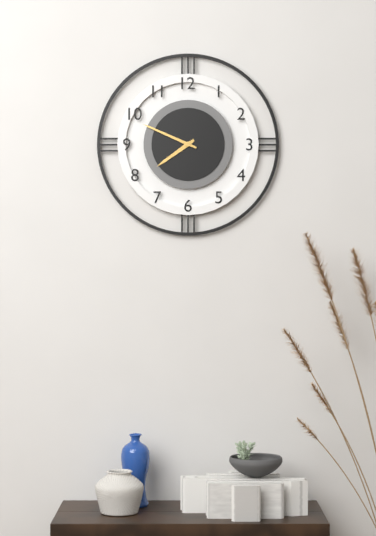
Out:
7.49
